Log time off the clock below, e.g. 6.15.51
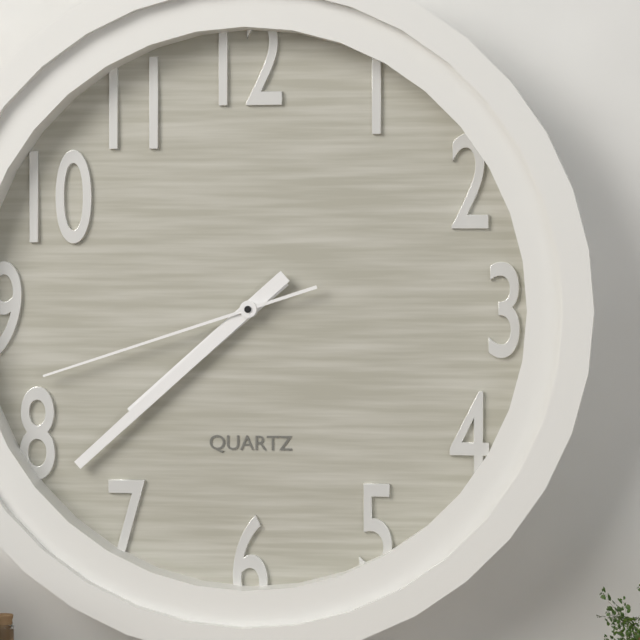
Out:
7.38.42
